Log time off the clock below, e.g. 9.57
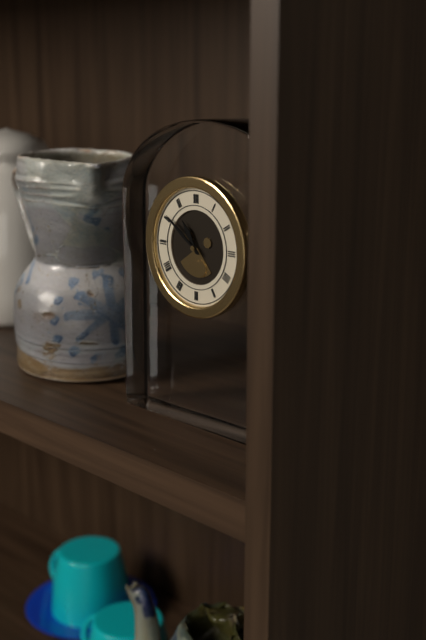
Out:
10.51
